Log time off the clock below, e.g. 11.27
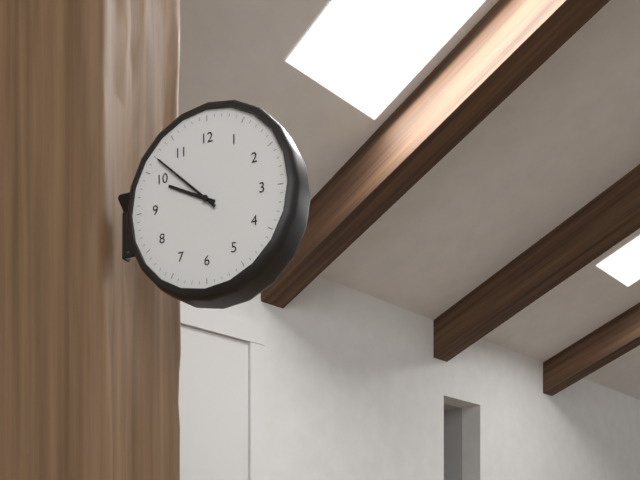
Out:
9.52
